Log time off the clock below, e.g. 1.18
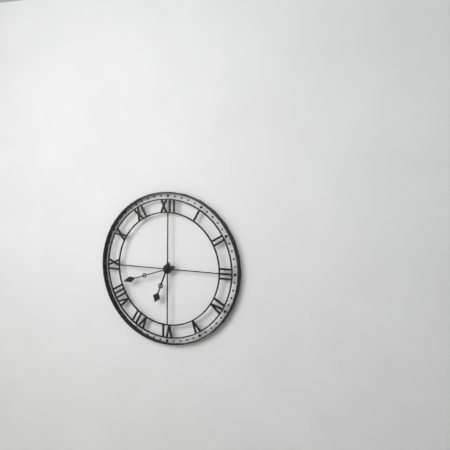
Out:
6.42
